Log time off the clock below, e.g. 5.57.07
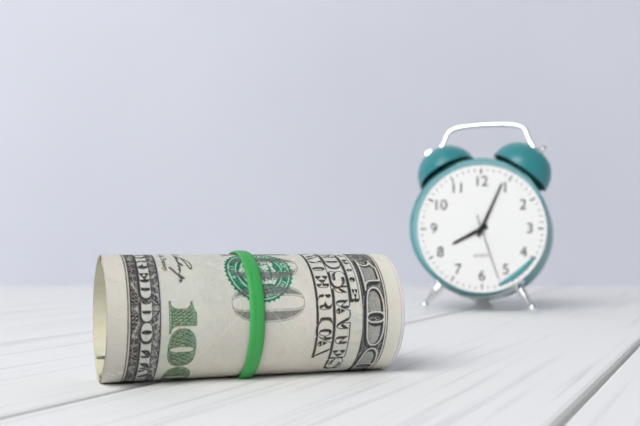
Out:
8.04.27
